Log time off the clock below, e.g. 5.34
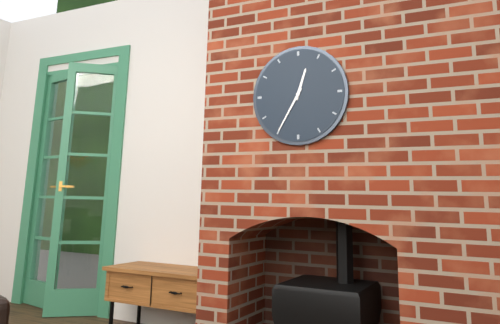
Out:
12.35
